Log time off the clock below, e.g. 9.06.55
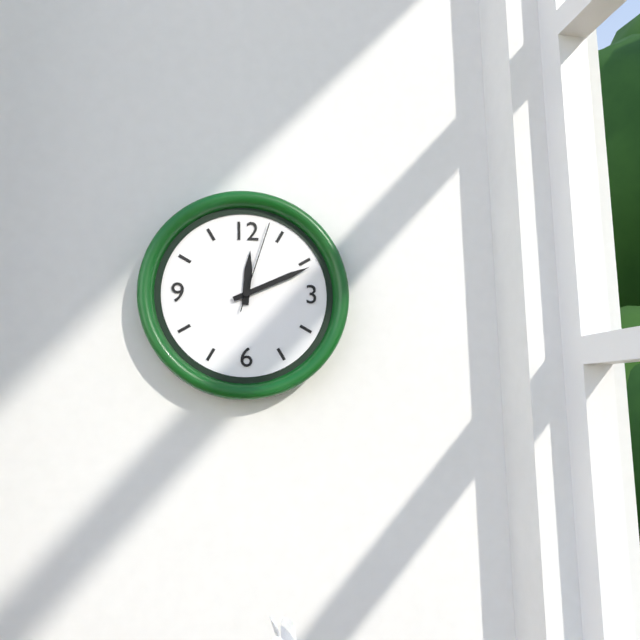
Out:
12.11.03
